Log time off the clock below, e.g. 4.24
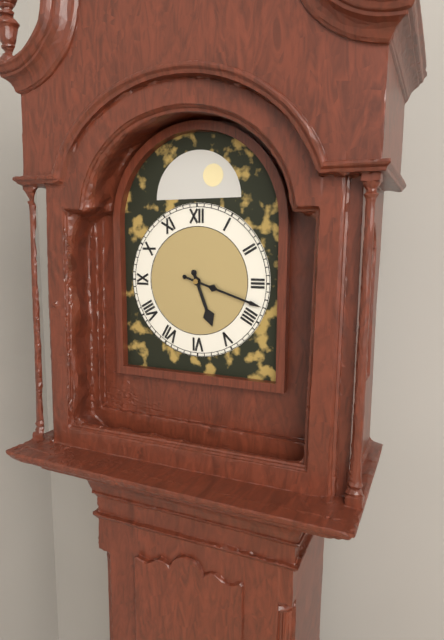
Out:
5.18
